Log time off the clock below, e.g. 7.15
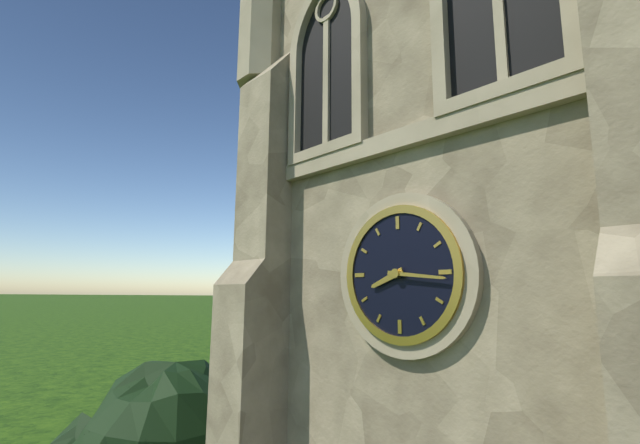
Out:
8.16
